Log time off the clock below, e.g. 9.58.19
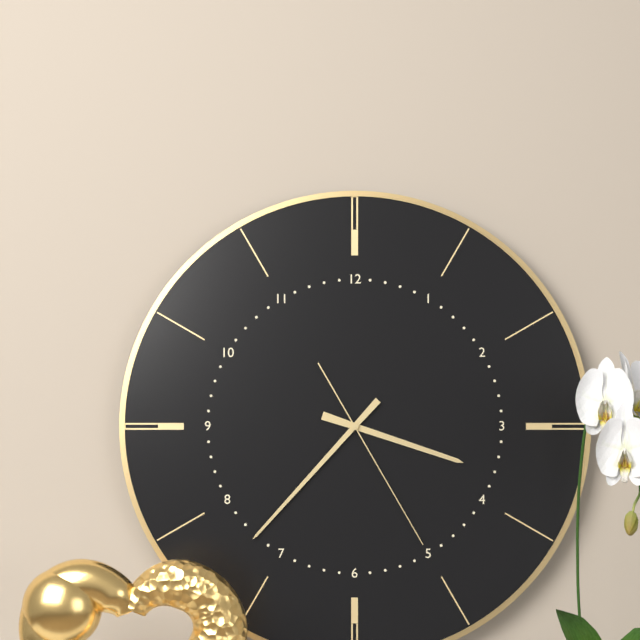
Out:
3.37.25
